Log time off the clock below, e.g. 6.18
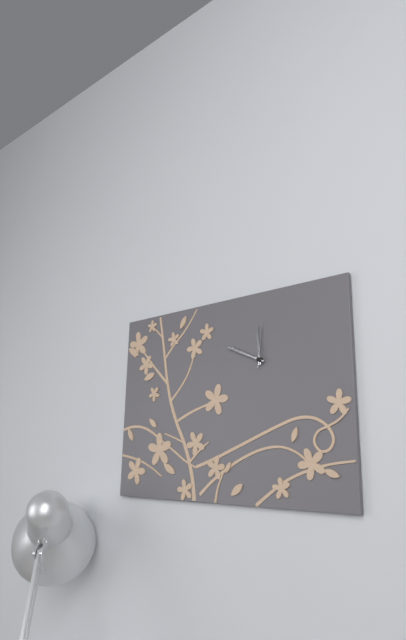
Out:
11.49
